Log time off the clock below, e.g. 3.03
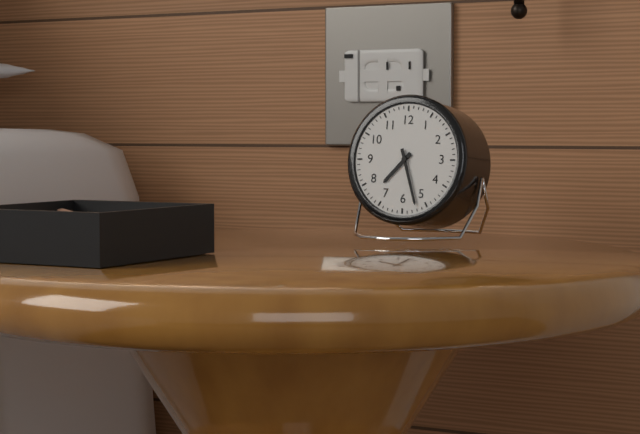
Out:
7.27
